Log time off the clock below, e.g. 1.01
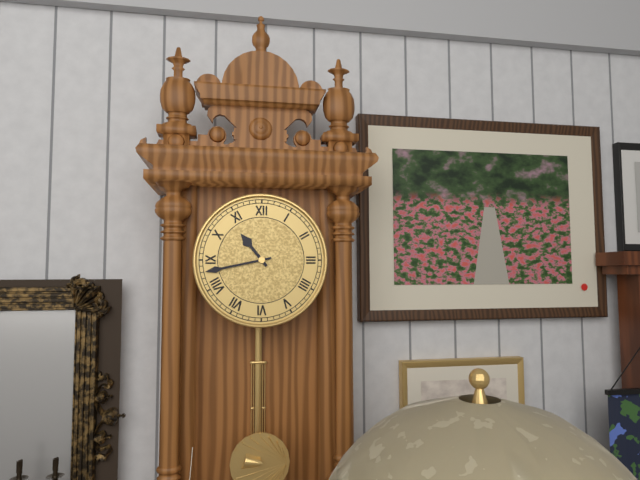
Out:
10.43
